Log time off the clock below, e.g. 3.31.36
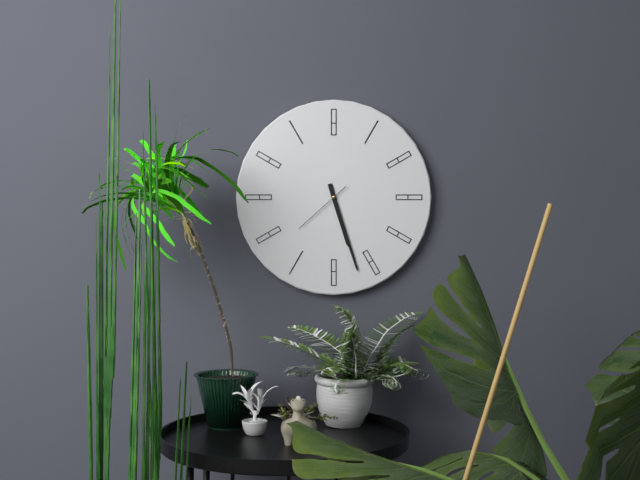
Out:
5.27.38
